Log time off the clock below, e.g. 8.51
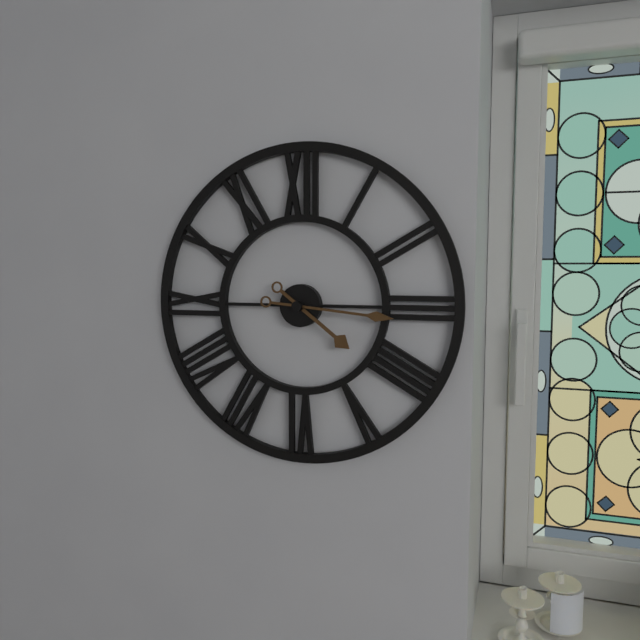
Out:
4.16
